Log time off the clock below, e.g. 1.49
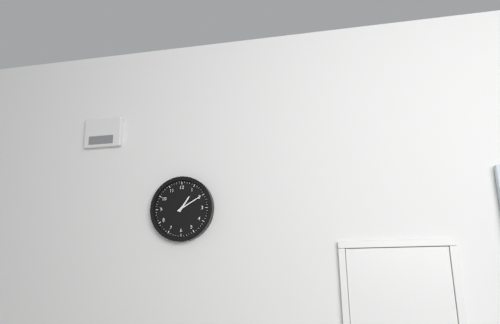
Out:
1.10
